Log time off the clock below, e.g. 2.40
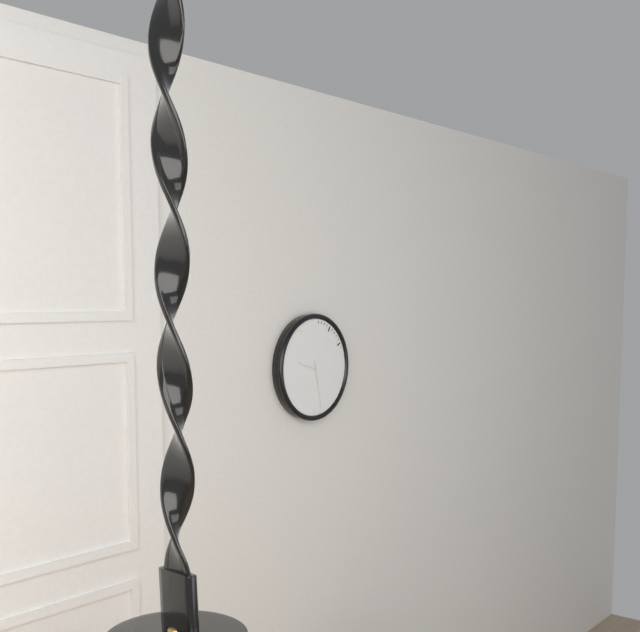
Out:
9.28
